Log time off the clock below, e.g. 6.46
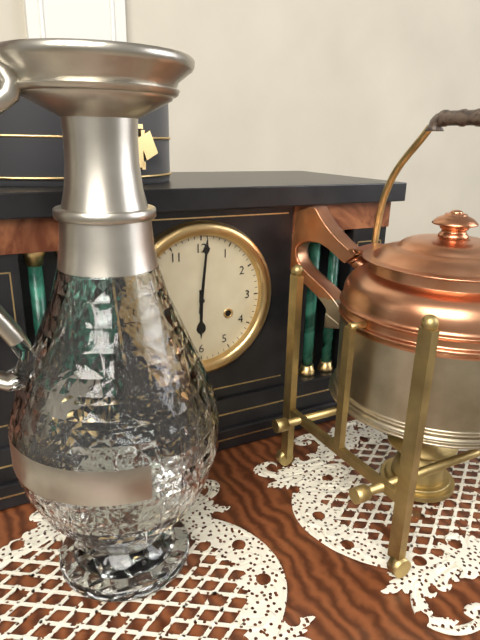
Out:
6.01
